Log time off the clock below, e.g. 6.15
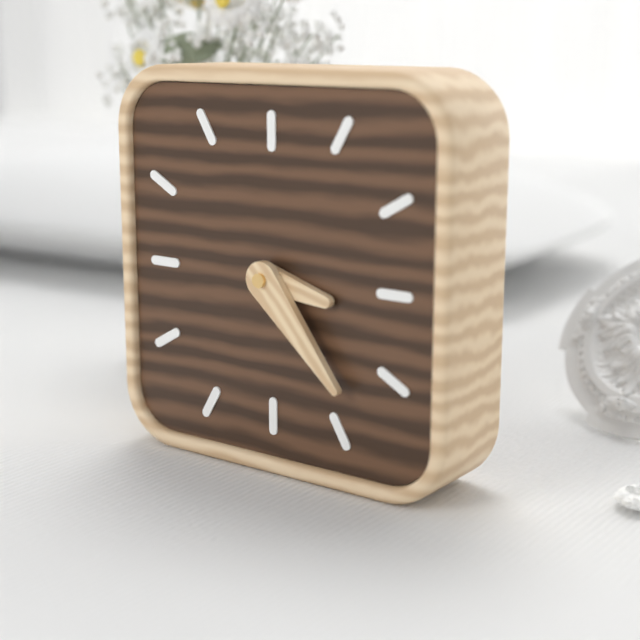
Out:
3.23
